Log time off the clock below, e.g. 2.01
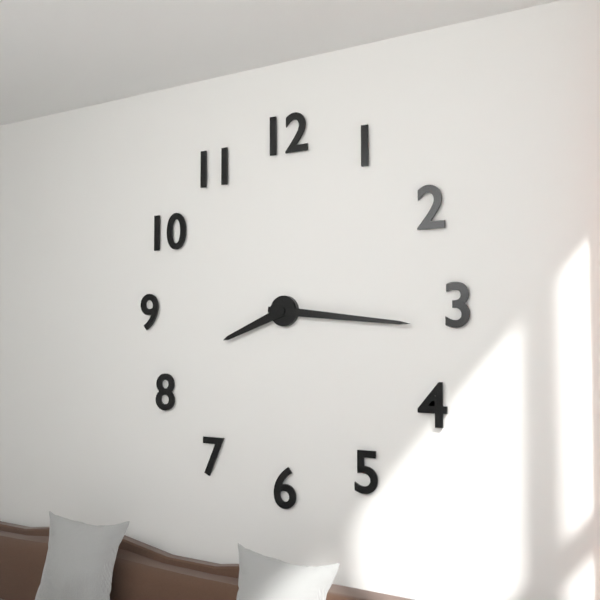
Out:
8.16
